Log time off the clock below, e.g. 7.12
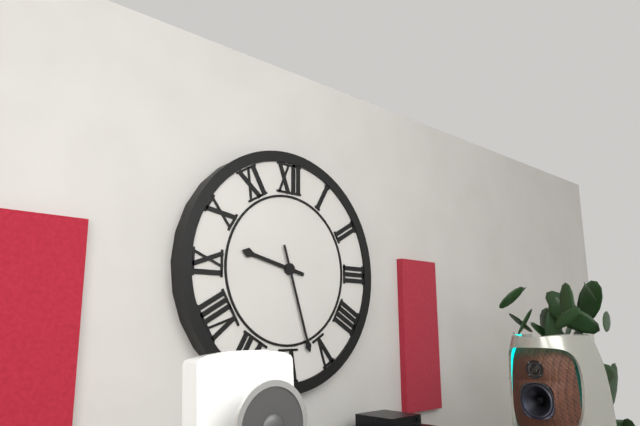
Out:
9.27
